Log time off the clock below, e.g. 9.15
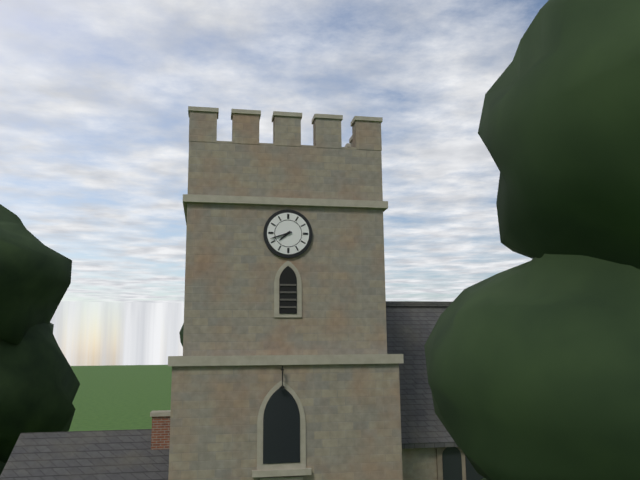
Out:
7.42
